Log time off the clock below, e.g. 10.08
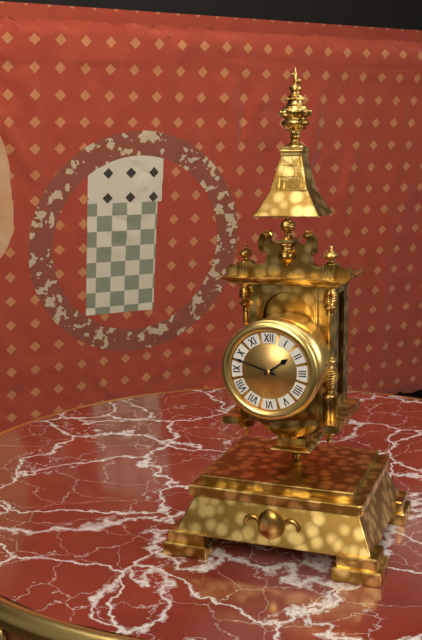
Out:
1.48
